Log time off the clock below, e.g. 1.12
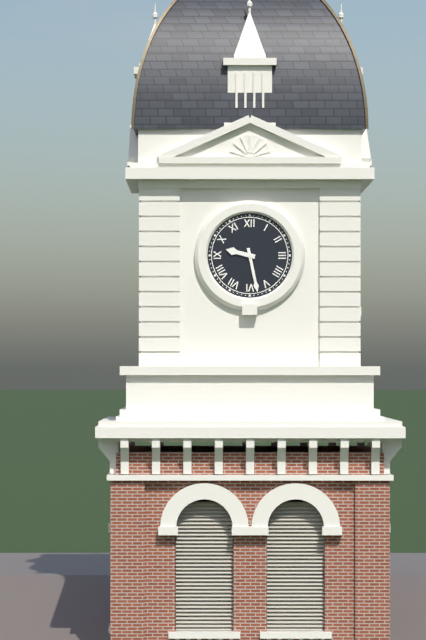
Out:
9.28
